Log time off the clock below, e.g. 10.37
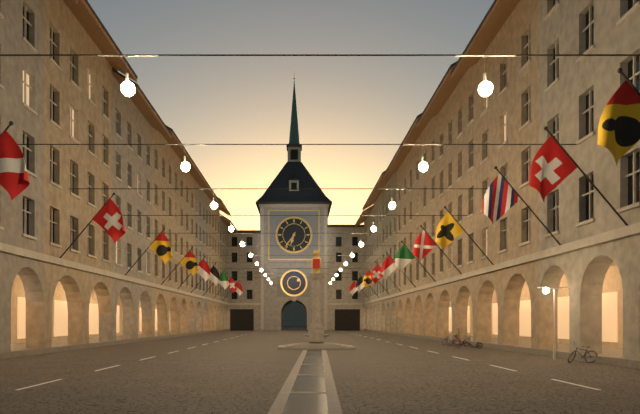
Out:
6.36
